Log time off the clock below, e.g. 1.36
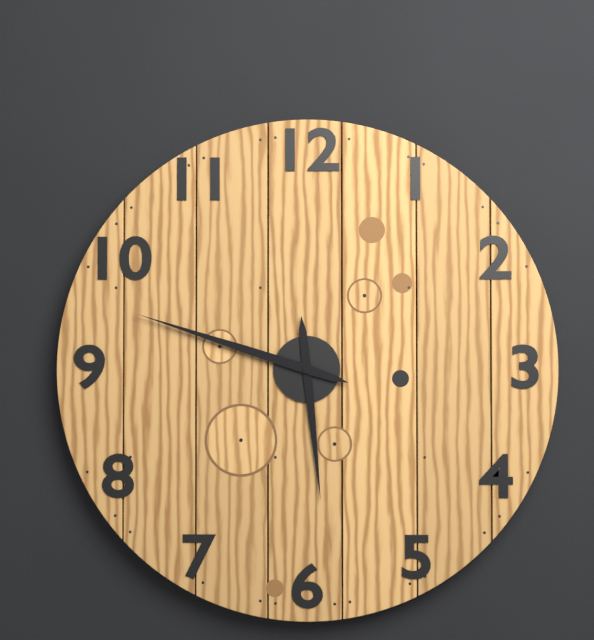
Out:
5.48
